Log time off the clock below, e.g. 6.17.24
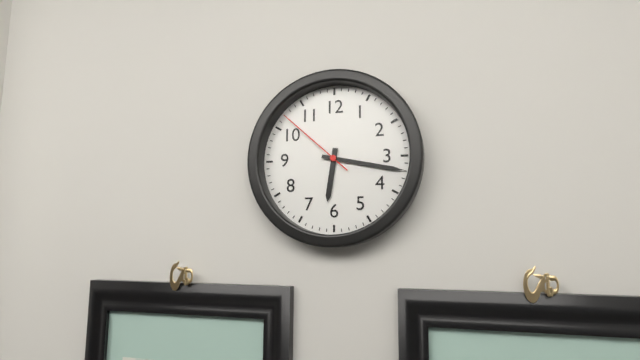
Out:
6.17.52
